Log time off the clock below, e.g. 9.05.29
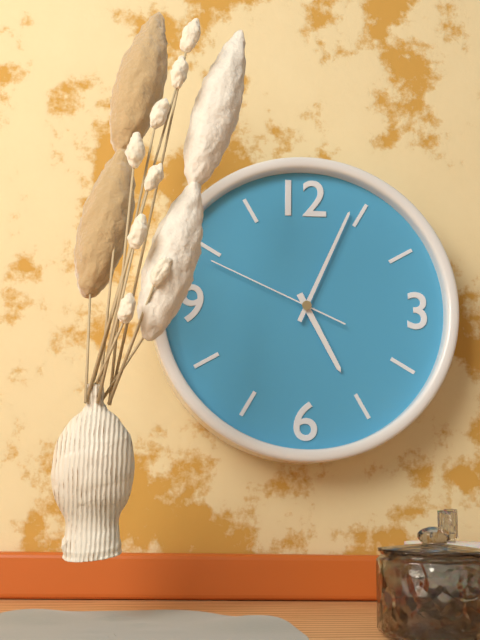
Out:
5.04.49
